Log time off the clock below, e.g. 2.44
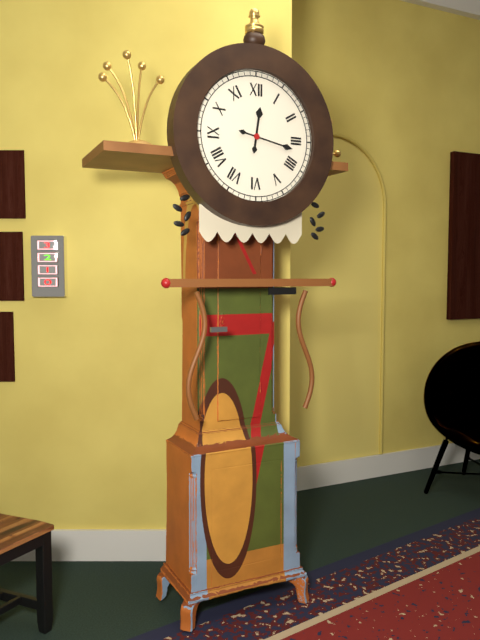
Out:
12.17
